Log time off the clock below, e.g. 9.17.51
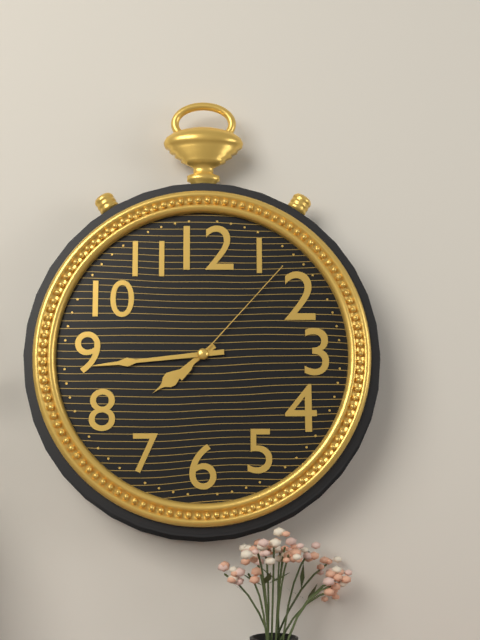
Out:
7.44.07
